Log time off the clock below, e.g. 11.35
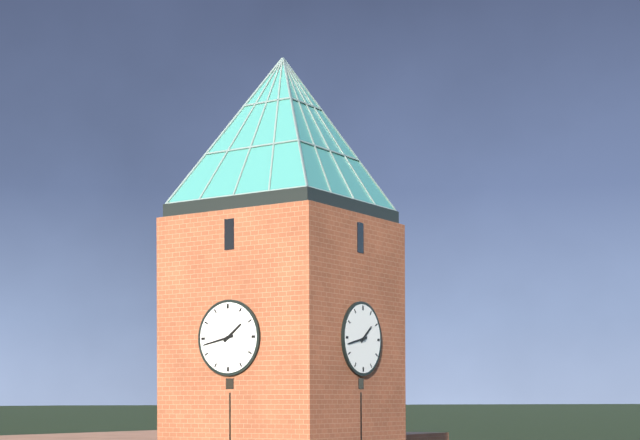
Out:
1.43
